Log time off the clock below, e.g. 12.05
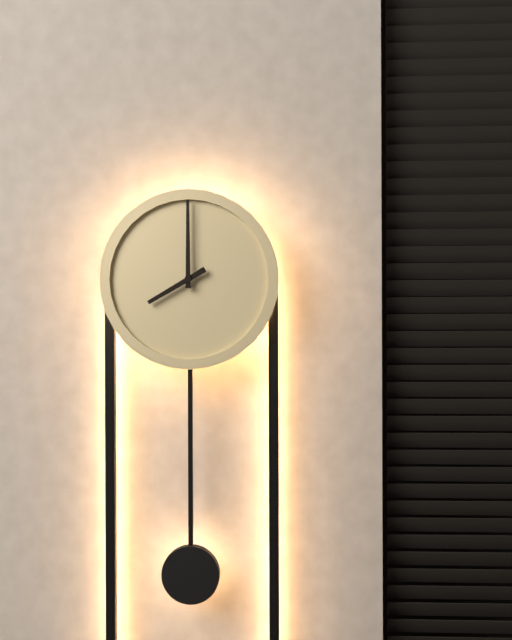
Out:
8.00
